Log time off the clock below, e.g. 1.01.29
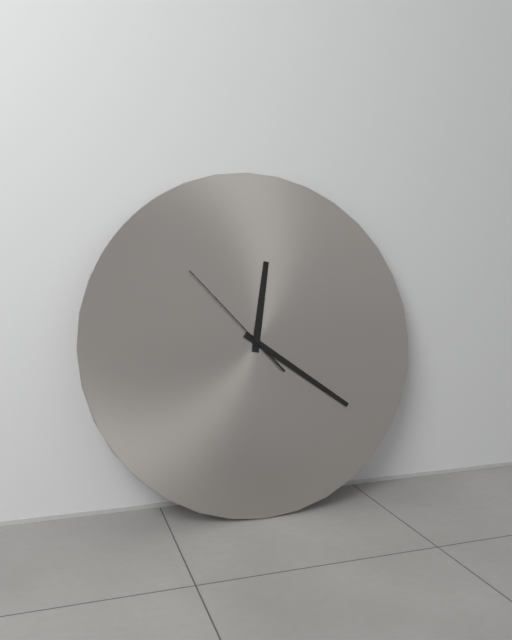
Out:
12.21.53
